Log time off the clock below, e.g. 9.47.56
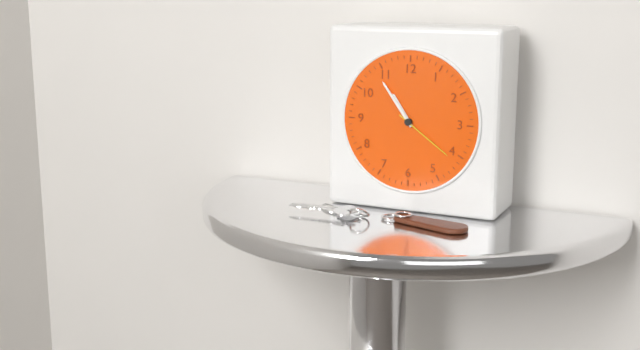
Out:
10.54.21
